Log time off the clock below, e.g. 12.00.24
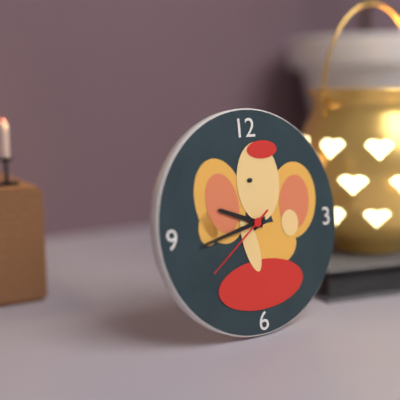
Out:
9.43.39
